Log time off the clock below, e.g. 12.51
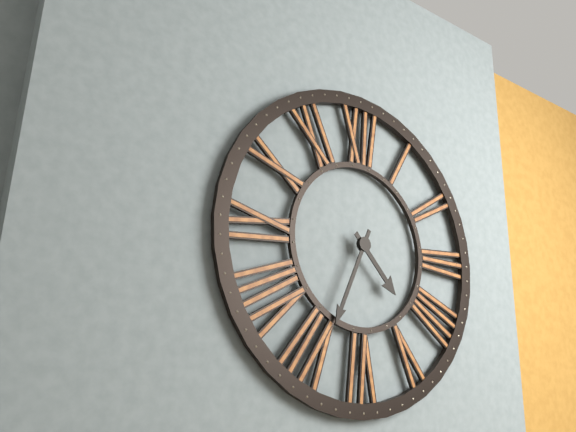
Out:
4.34
